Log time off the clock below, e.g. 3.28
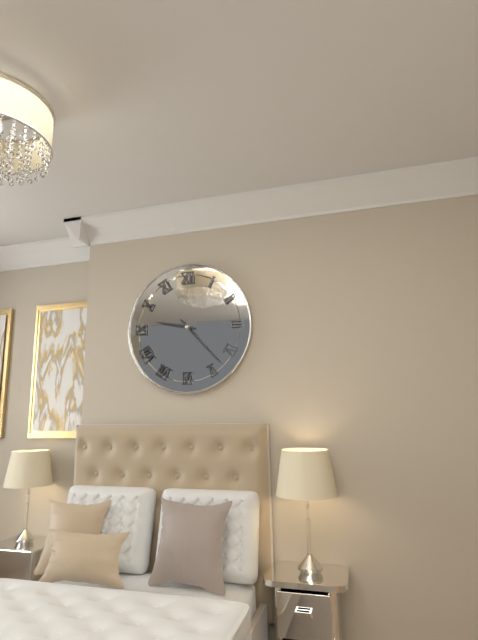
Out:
9.23
